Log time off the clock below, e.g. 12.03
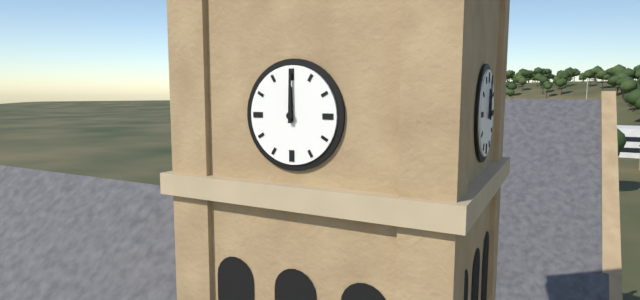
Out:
12.00
